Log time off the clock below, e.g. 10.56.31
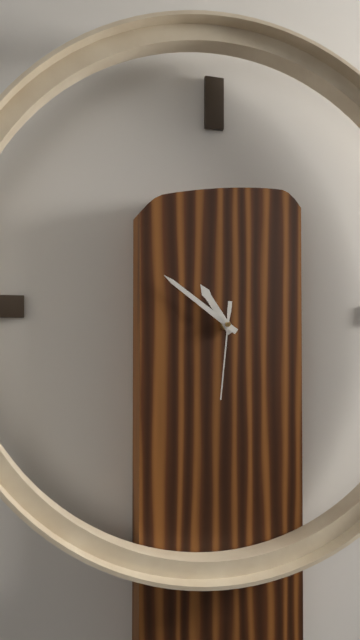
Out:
10.51.31
